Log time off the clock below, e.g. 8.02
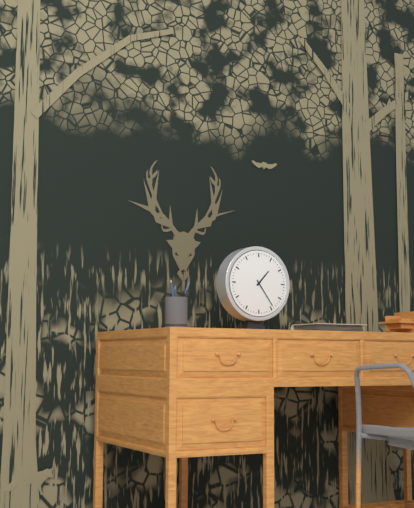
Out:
1.24
